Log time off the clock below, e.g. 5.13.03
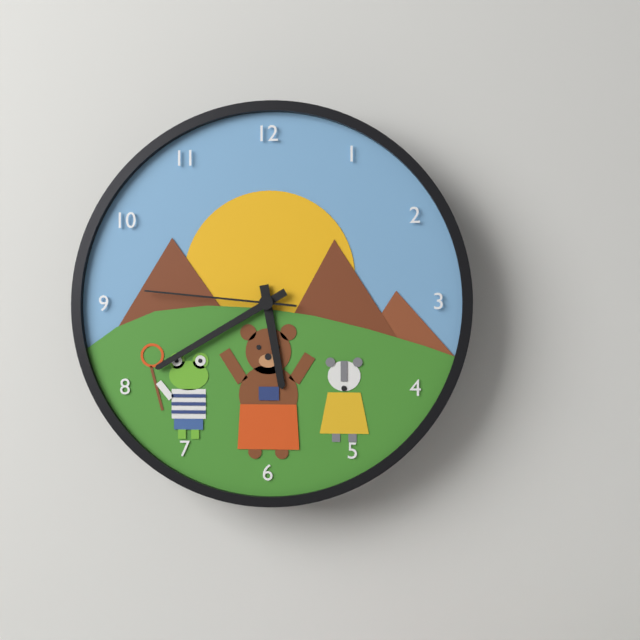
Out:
5.40.46
